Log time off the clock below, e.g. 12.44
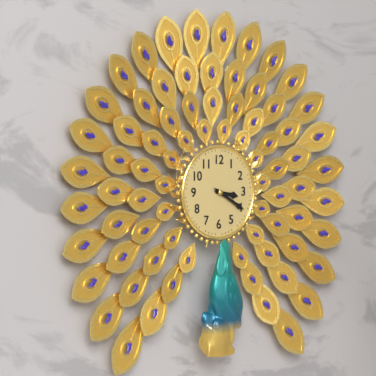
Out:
3.20
